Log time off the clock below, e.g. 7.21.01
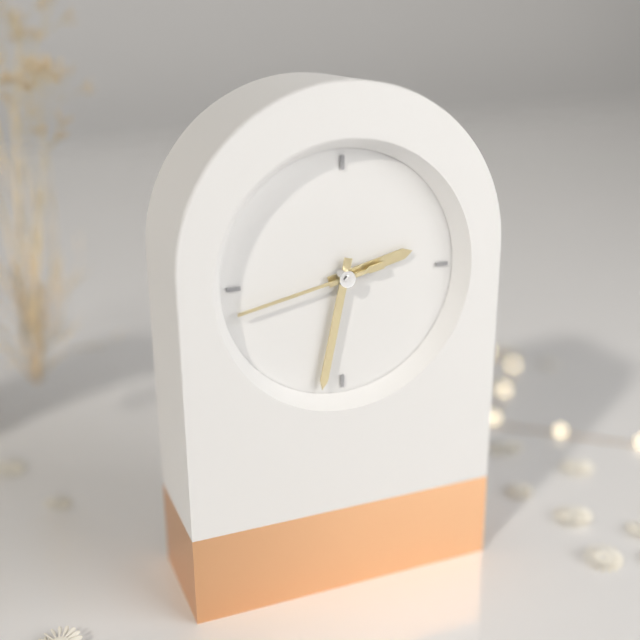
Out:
2.32.43
